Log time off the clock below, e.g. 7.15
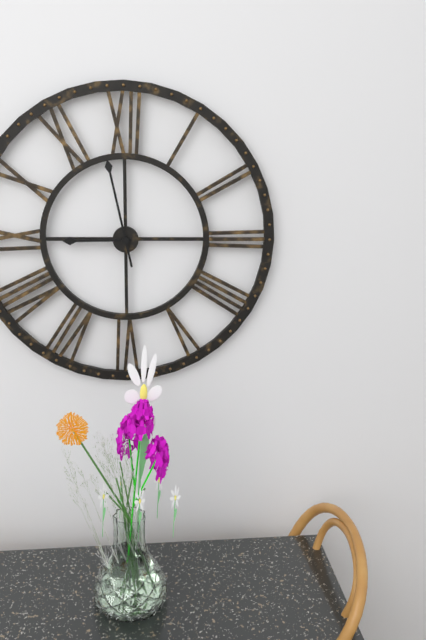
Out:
8.58
